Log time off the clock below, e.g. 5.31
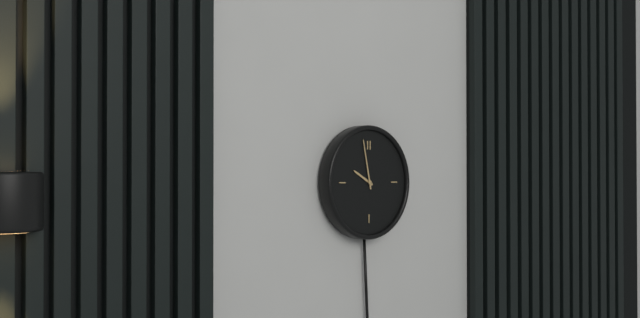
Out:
9.58
